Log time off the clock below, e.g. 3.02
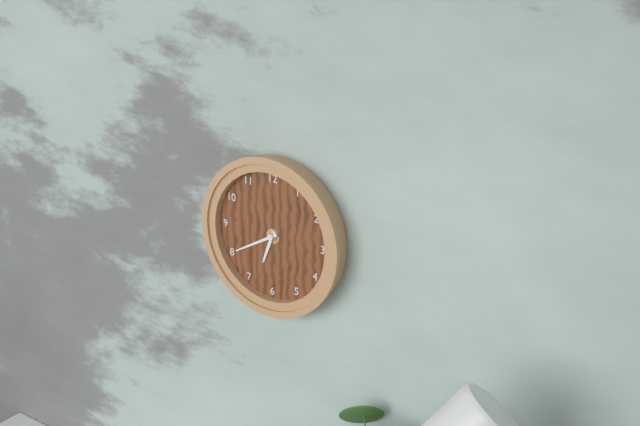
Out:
6.40
